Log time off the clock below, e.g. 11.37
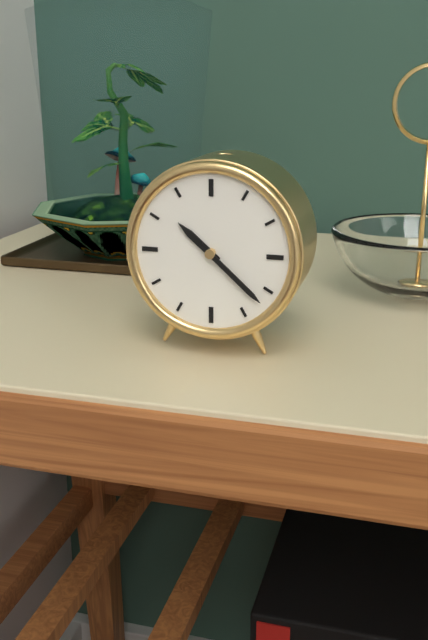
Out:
10.22
